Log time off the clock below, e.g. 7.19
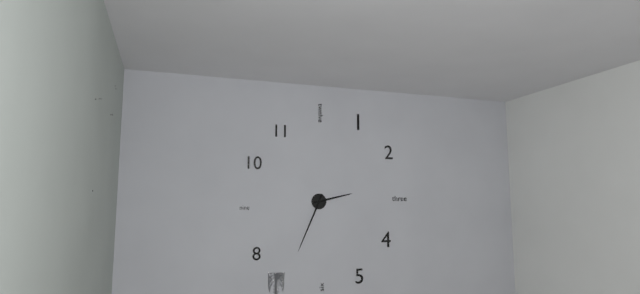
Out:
2.34
